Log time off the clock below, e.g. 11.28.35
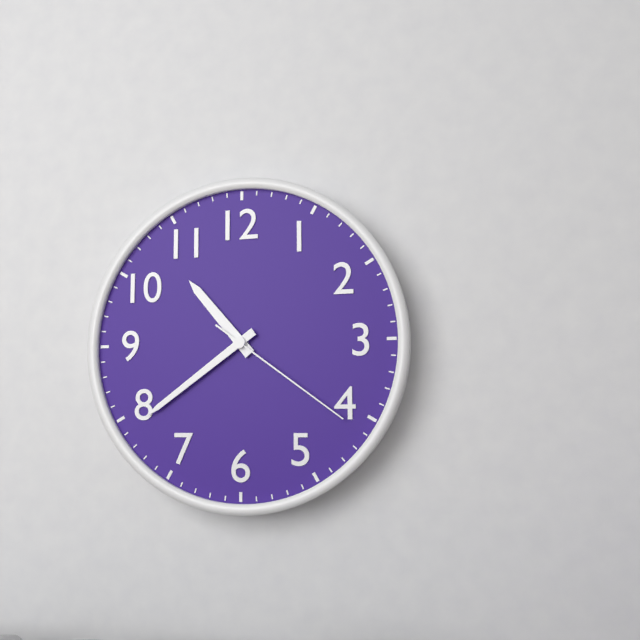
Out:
10.39.21
